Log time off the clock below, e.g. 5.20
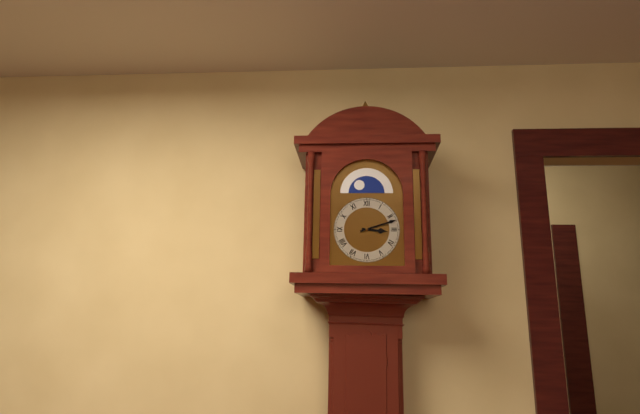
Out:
3.12
